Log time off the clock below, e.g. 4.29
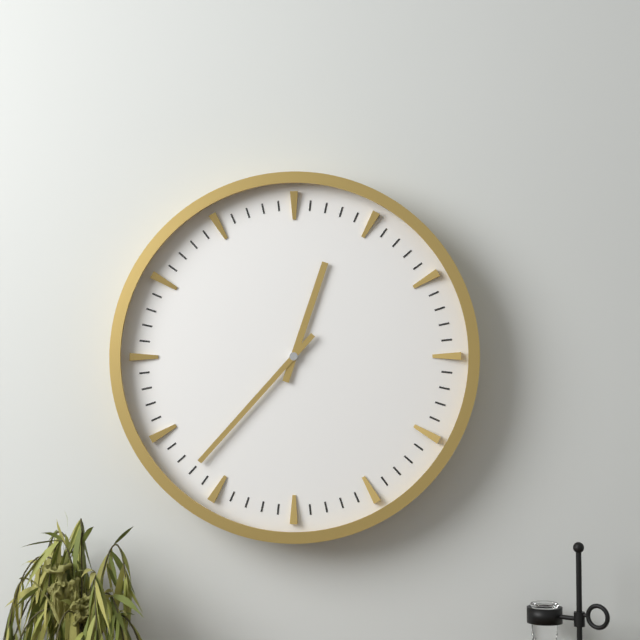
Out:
12.37
